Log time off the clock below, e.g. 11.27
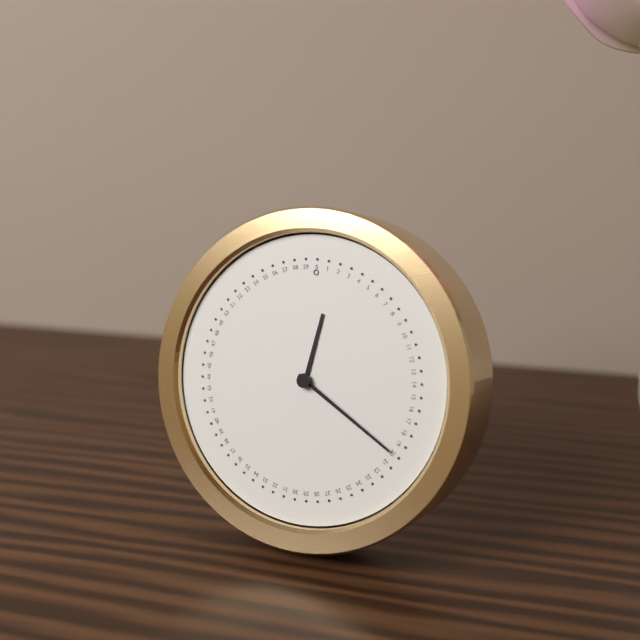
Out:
12.20
